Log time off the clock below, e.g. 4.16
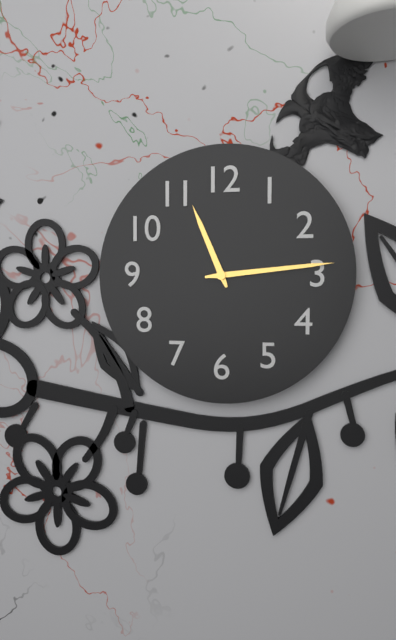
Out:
11.14
